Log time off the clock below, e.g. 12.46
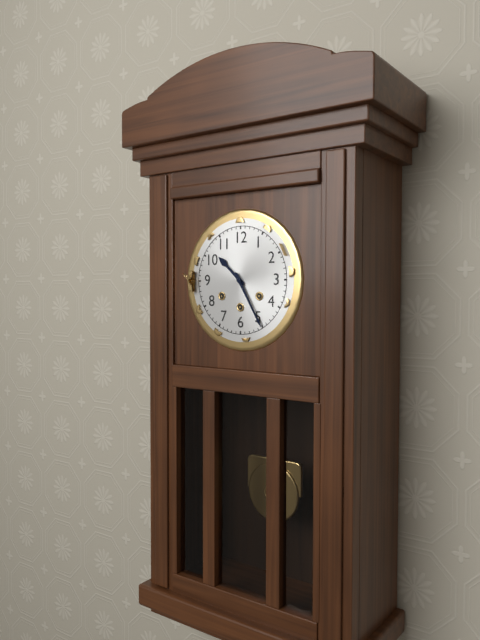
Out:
10.25
